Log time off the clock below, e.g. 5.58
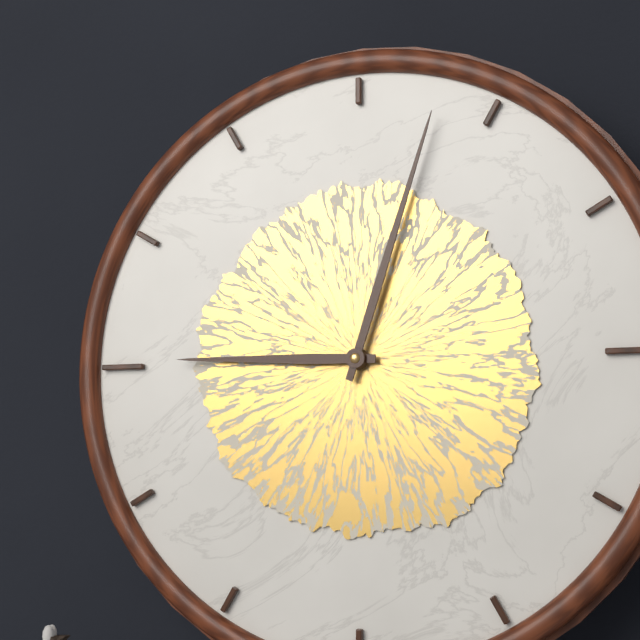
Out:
9.03
